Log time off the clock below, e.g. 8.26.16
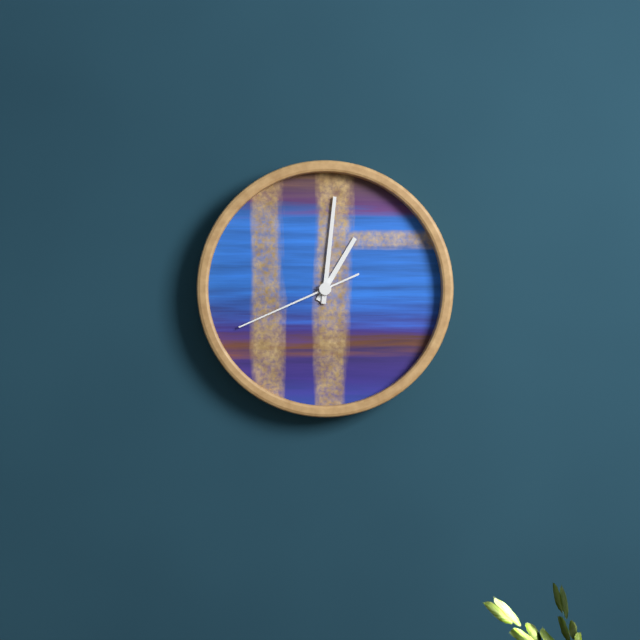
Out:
1.01.41
